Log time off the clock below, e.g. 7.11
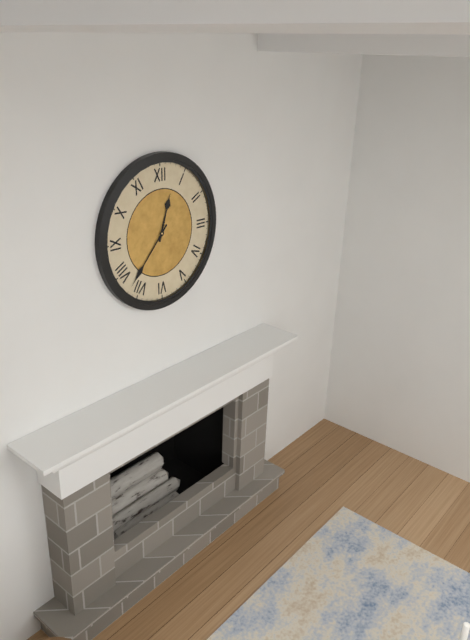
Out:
12.37
